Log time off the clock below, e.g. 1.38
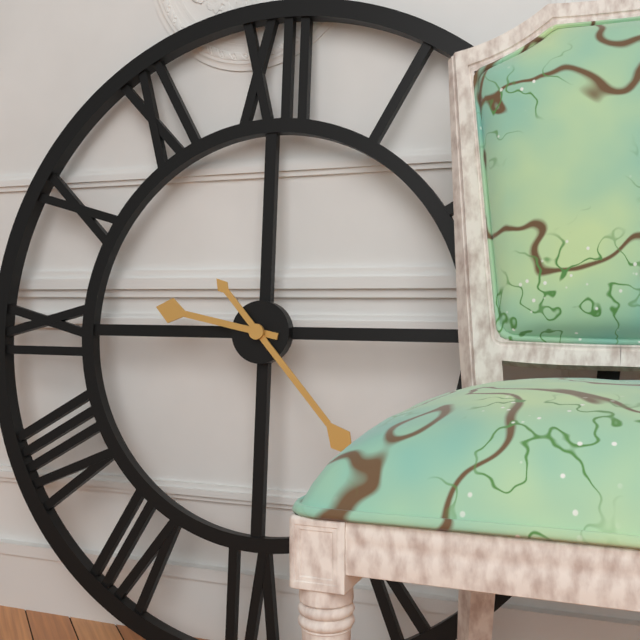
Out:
9.23
